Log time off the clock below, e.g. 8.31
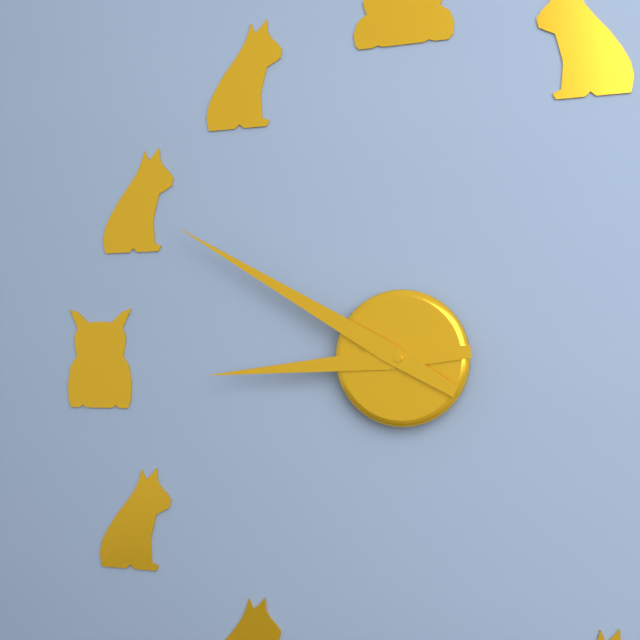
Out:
8.50
